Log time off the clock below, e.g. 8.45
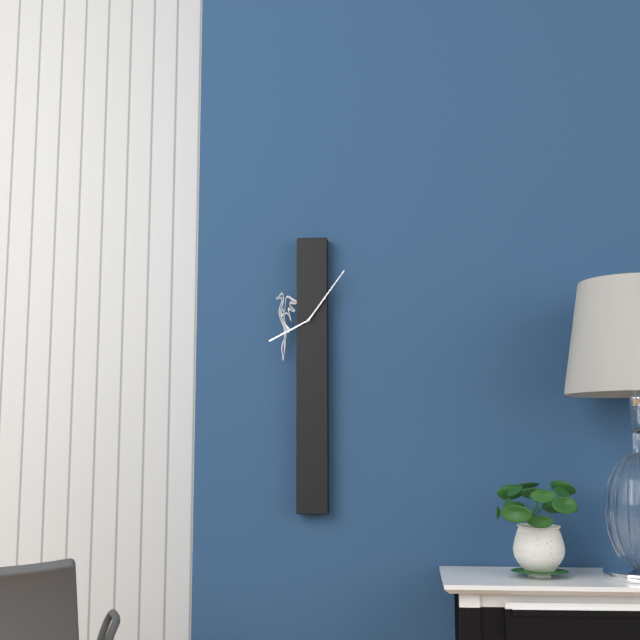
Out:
8.06
